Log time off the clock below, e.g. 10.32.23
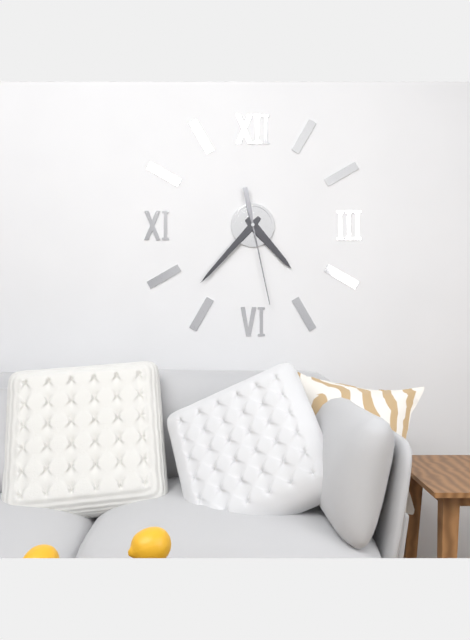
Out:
4.37.28
